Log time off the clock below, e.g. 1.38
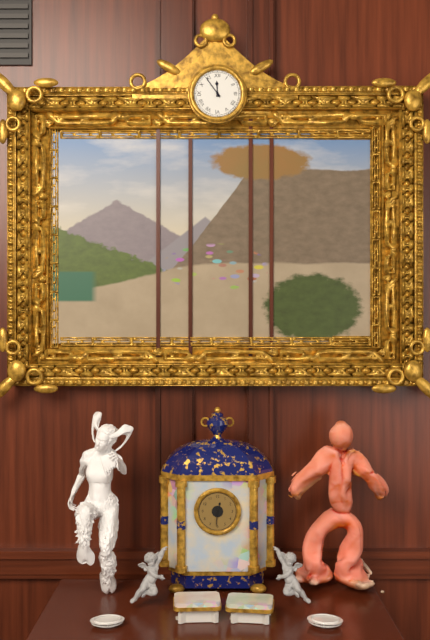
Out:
11.54
